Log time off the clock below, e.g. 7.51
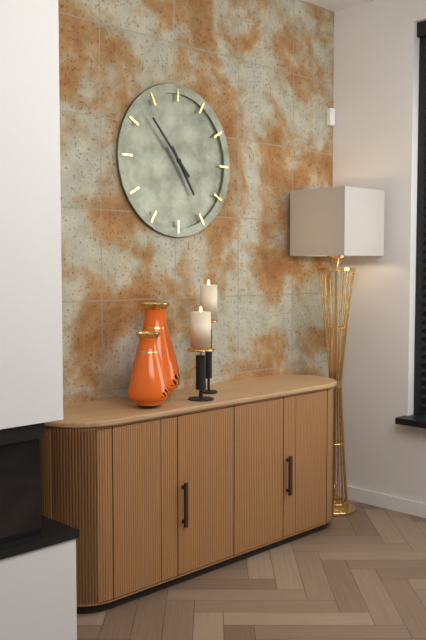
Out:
4.53
